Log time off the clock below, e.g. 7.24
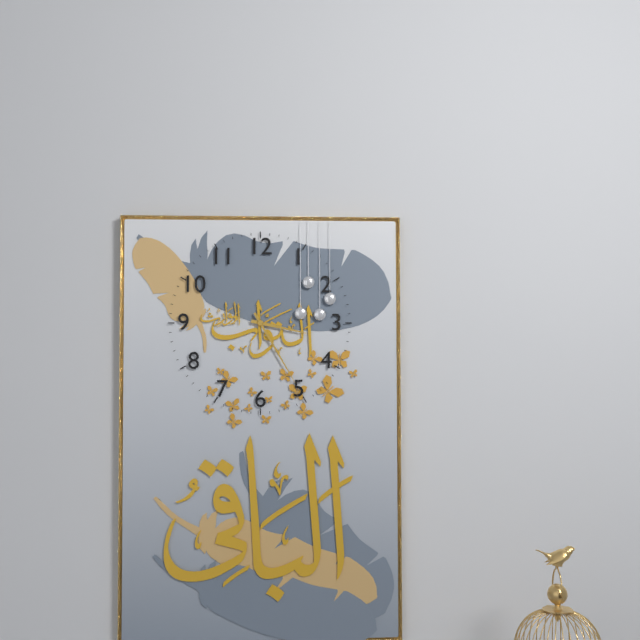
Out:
3.25
